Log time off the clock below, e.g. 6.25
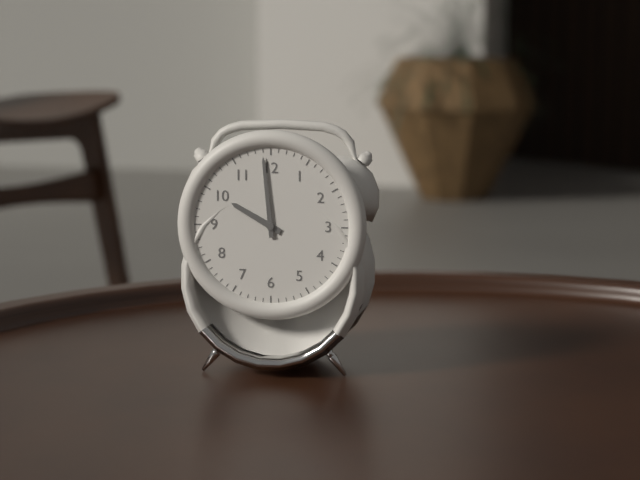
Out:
9.59
